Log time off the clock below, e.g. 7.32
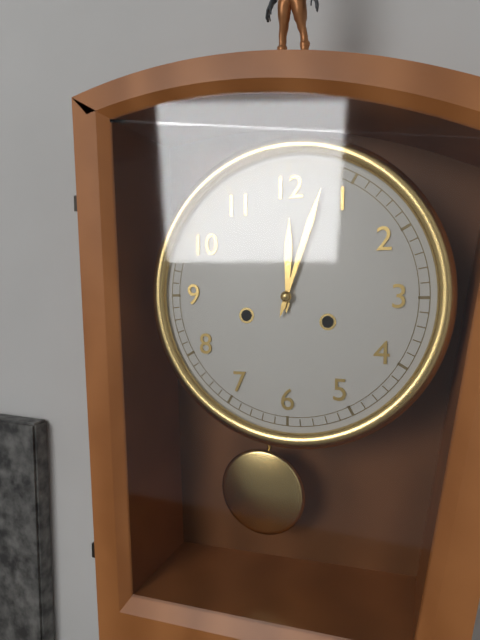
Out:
12.03
